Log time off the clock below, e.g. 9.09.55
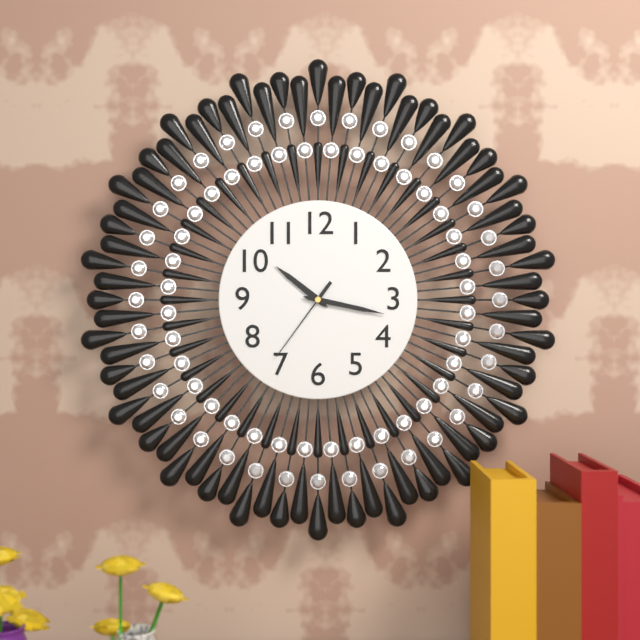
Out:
10.17.36
